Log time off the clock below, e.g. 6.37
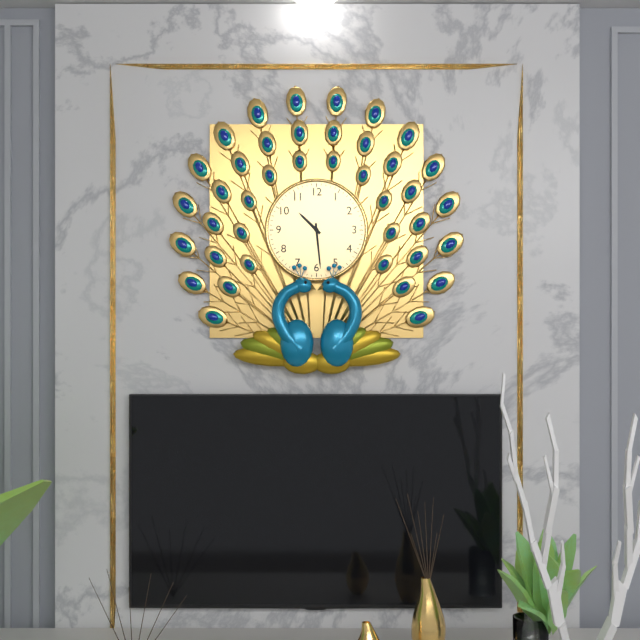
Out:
10.29
